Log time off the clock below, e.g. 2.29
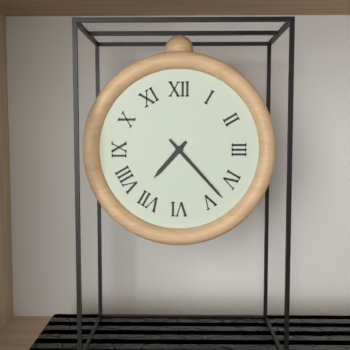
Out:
7.23
